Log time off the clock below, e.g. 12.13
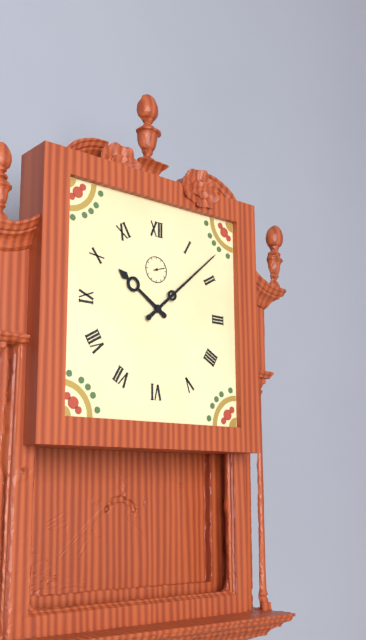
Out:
10.08
